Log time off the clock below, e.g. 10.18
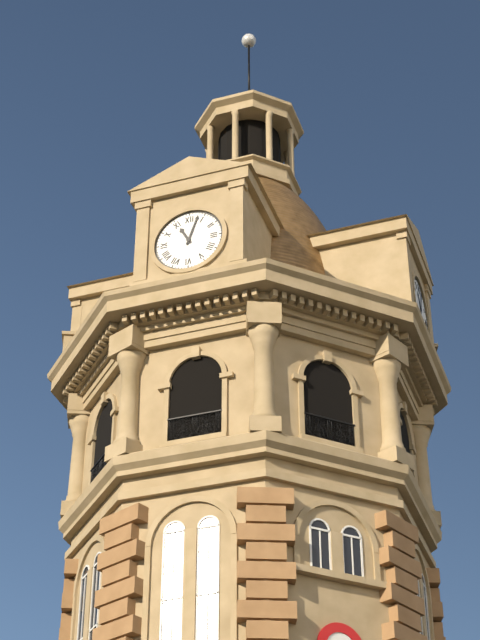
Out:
11.03
